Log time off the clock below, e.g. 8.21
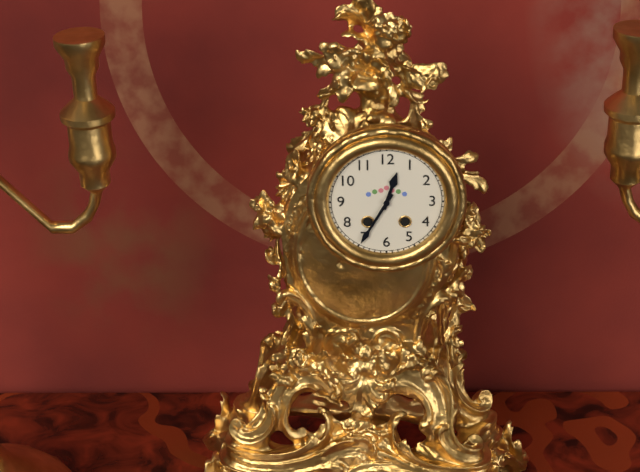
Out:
12.35
